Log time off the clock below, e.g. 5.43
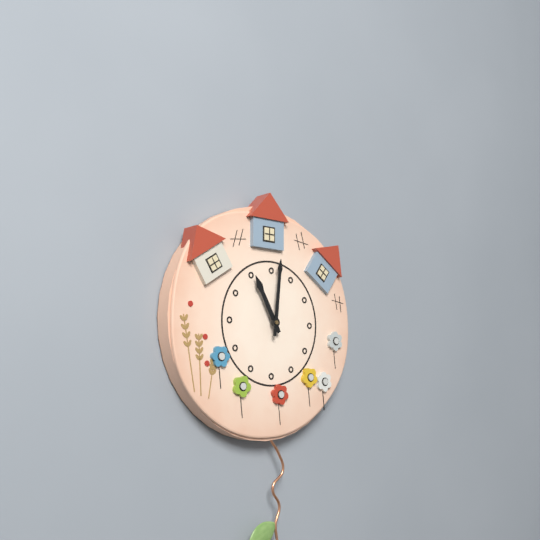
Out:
11.01
